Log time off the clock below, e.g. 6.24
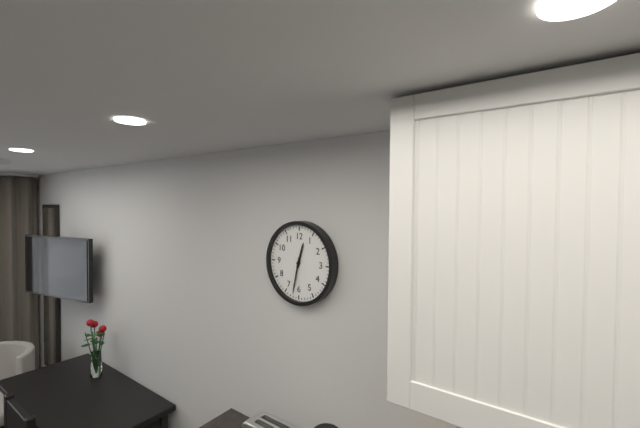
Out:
12.32
